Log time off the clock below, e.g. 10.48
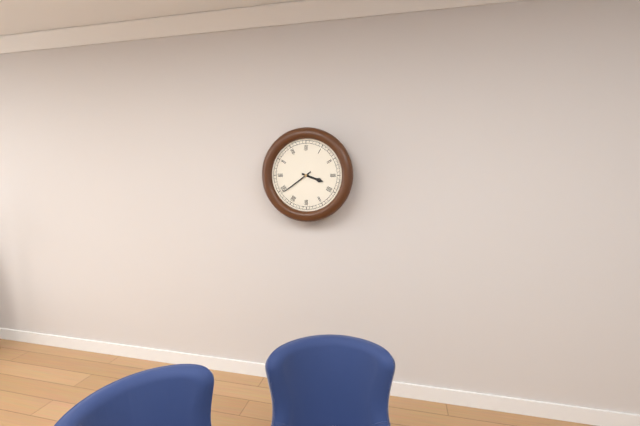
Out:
3.39
